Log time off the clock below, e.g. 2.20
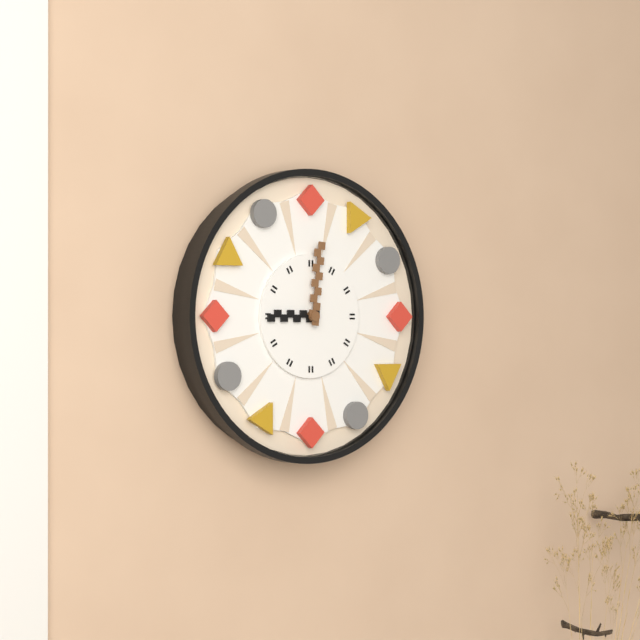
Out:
9.01
